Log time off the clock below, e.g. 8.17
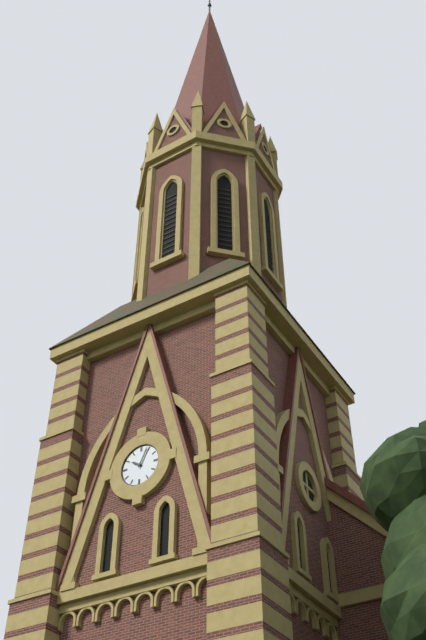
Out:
10.04
